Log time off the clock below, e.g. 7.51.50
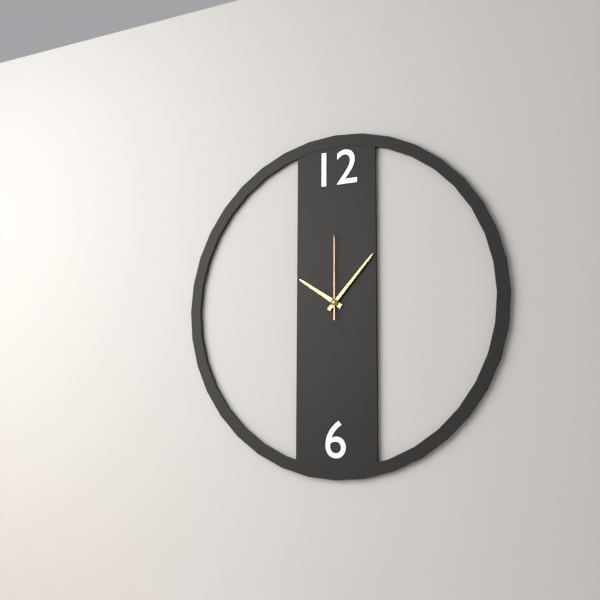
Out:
10.07.00
